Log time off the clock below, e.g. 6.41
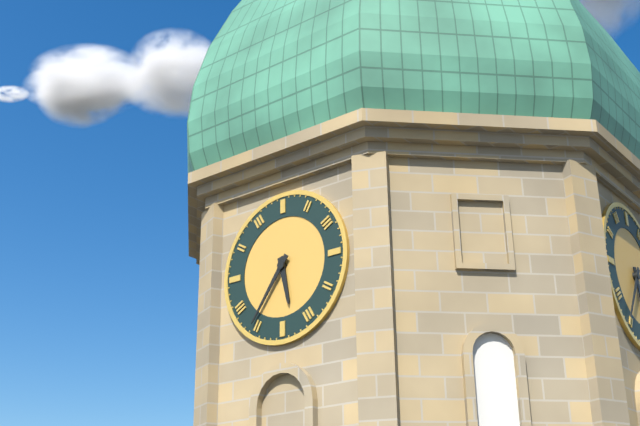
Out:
5.36
